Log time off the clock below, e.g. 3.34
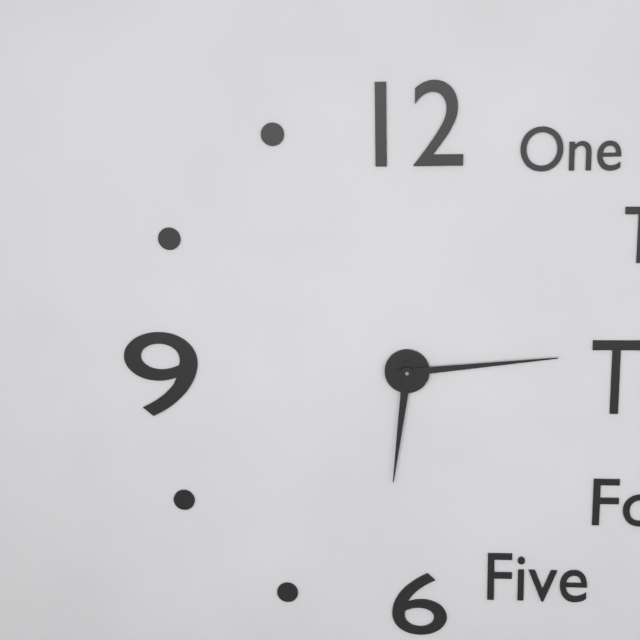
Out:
6.14
